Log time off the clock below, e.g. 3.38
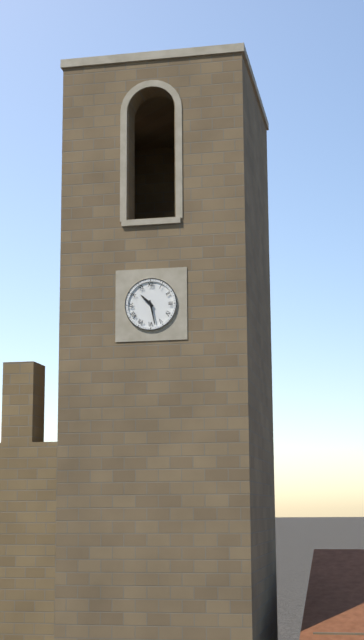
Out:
10.28
